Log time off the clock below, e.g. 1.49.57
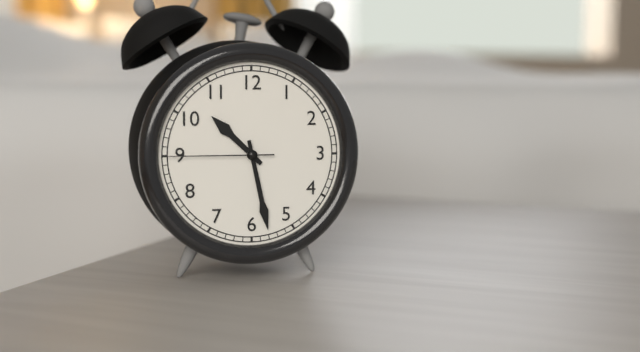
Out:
10.28.45
